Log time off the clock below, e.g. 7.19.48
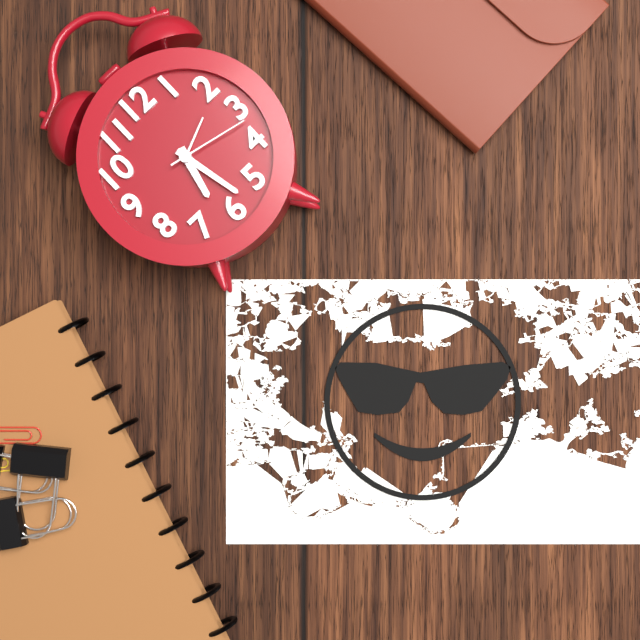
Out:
6.28.17
